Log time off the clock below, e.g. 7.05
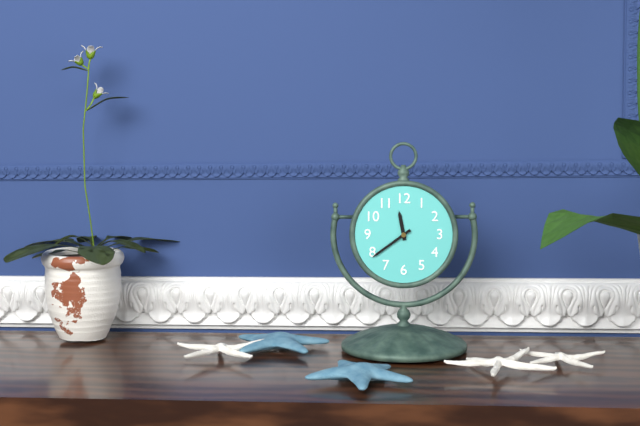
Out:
11.39
